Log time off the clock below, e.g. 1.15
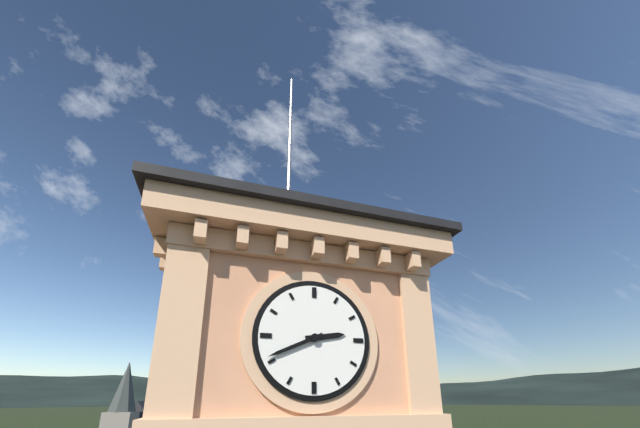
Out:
2.41
